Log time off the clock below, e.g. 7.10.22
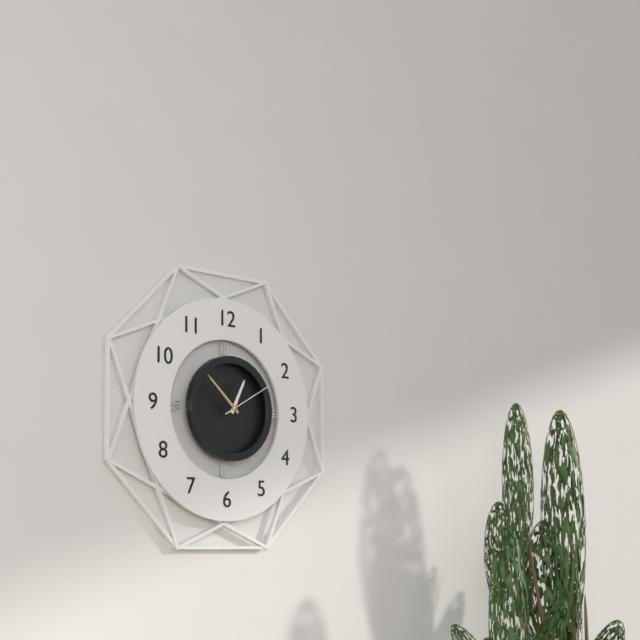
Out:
12.52.10
